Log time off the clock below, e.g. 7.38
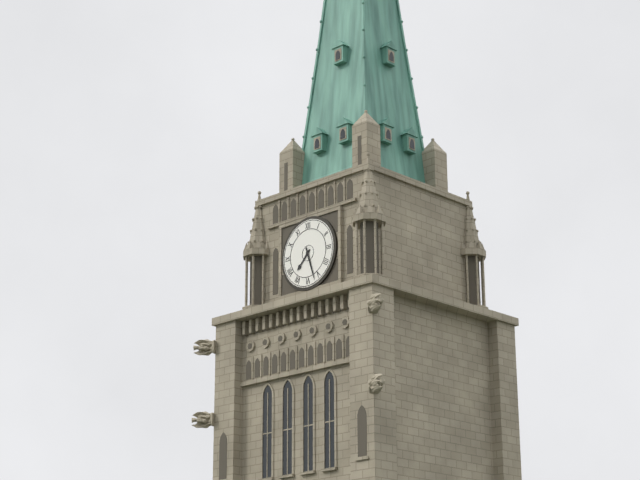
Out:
7.27
